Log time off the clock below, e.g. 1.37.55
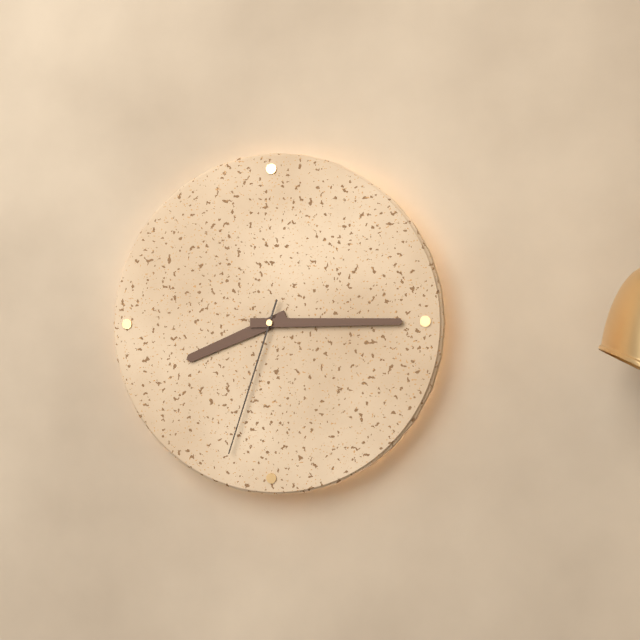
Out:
8.15.33
